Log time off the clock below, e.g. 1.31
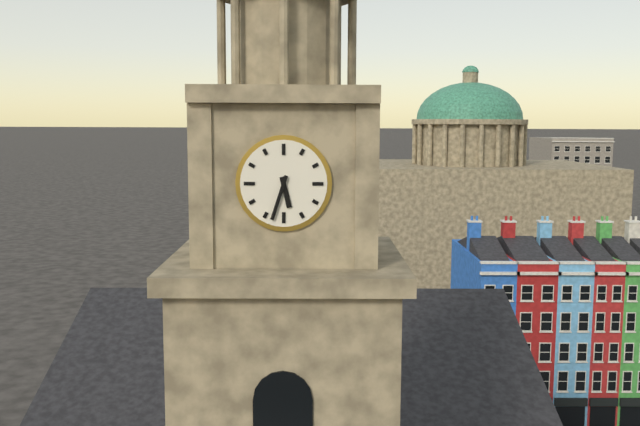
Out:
5.33
